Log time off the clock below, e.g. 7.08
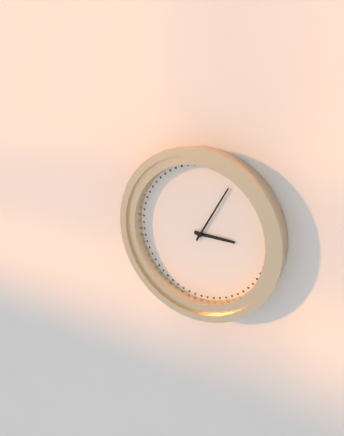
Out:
3.05
